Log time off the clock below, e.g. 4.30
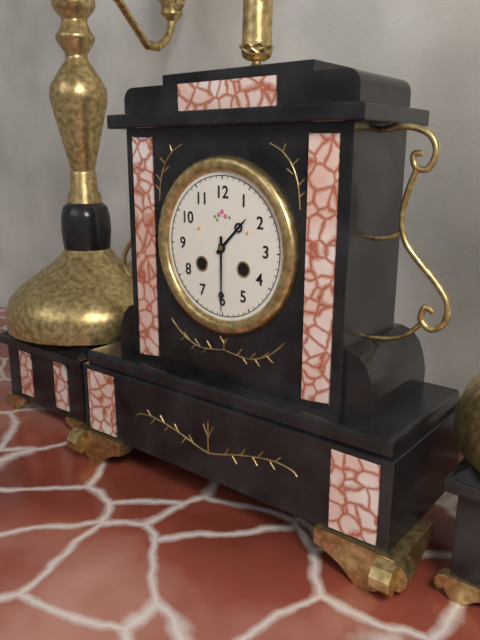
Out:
1.30
